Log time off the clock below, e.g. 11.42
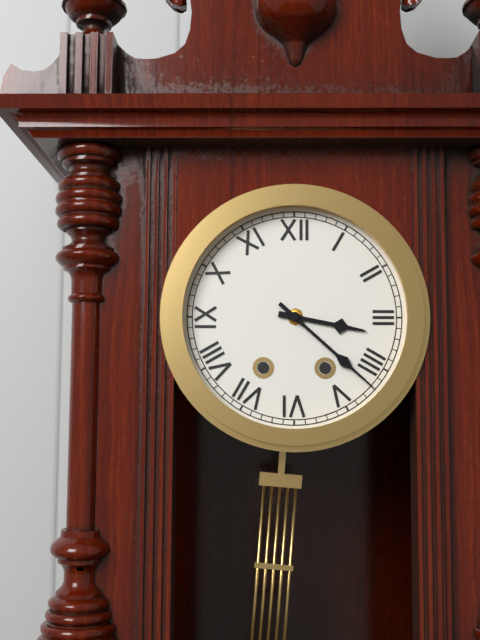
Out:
3.22
